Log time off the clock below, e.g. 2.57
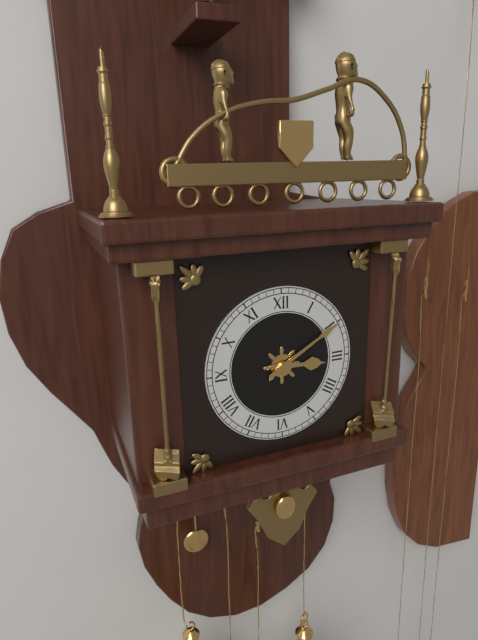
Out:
3.10
